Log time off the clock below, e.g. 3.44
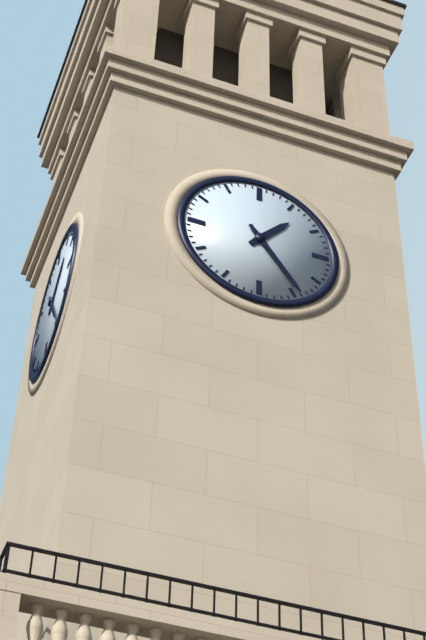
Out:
1.24
